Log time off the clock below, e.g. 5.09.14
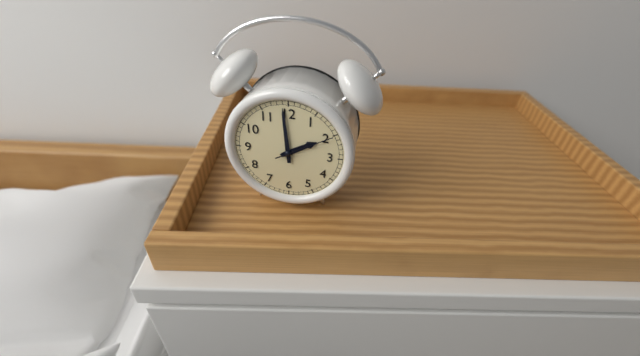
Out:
1.59.10
